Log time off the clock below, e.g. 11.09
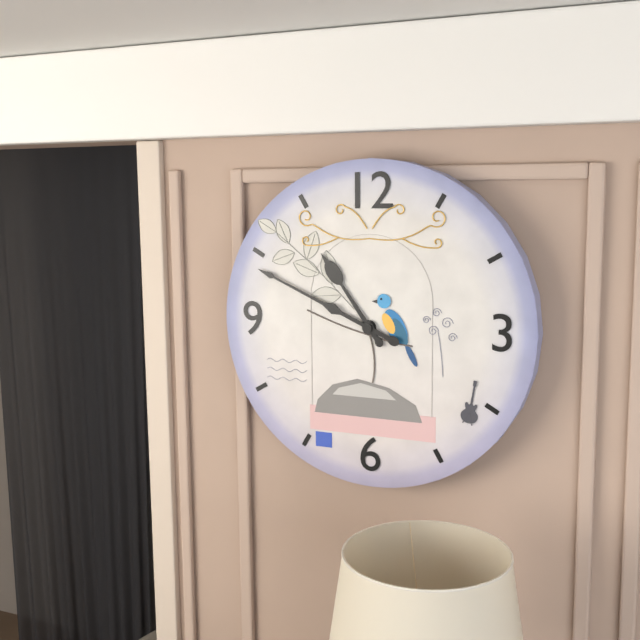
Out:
10.49
